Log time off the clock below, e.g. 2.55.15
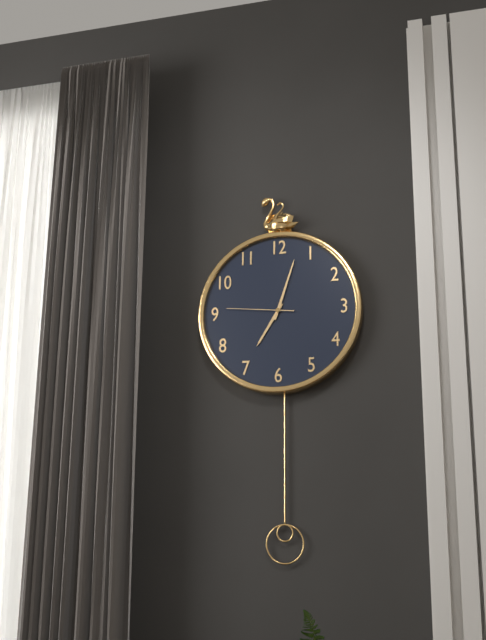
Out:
7.03.46
